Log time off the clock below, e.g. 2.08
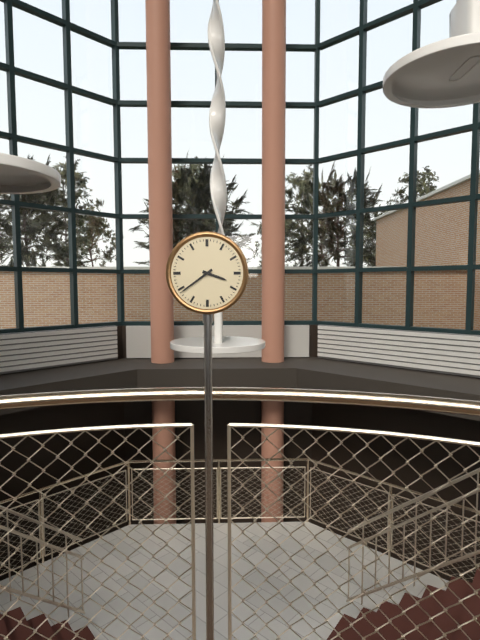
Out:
3.39
